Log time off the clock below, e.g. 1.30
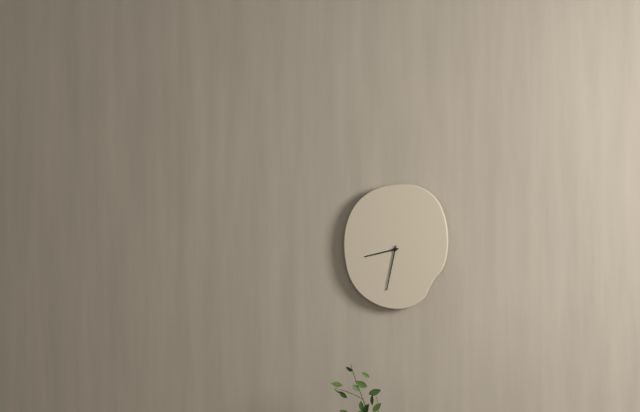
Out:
8.32
